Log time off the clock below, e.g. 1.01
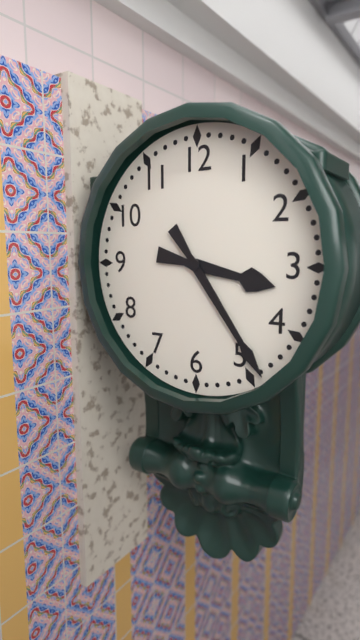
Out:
3.24
